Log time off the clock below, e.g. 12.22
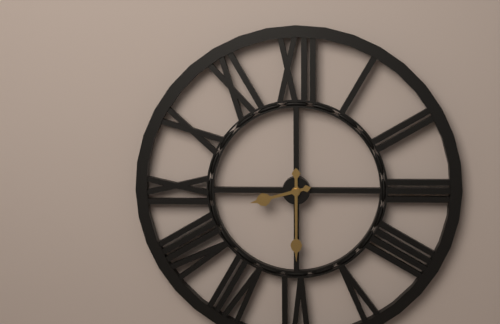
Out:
8.30
